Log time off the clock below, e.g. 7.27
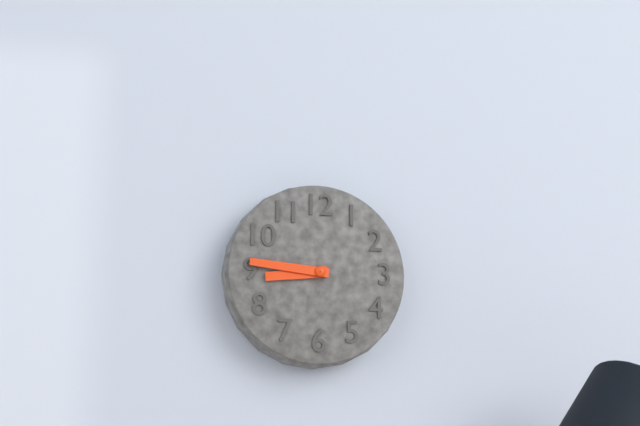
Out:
8.46
